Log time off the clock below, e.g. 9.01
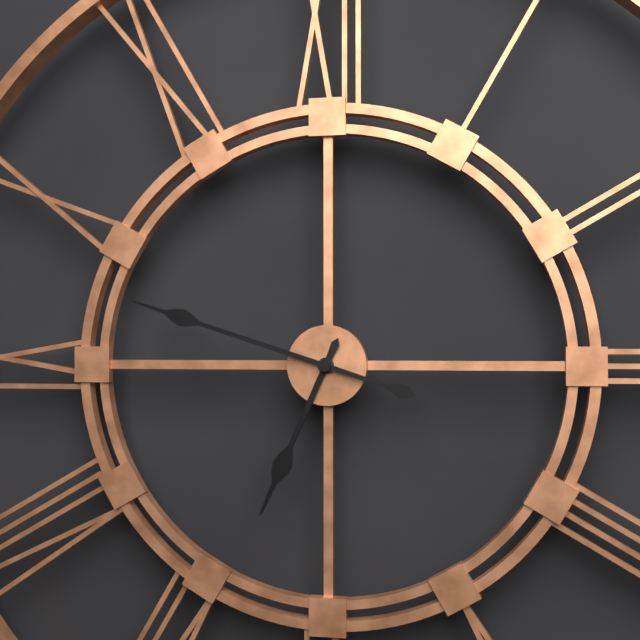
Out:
6.48
